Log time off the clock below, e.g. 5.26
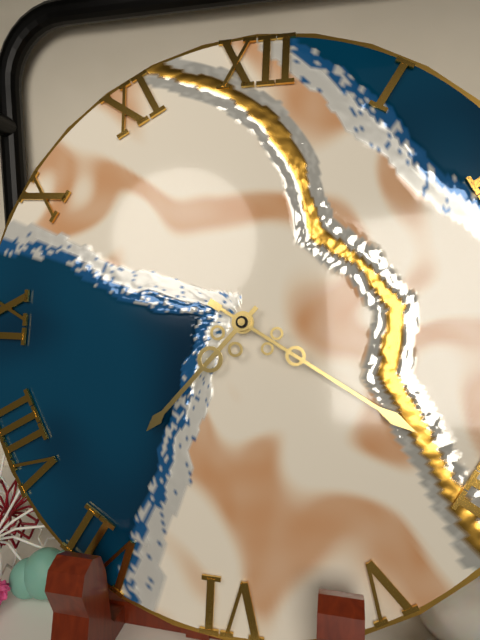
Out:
7.20
